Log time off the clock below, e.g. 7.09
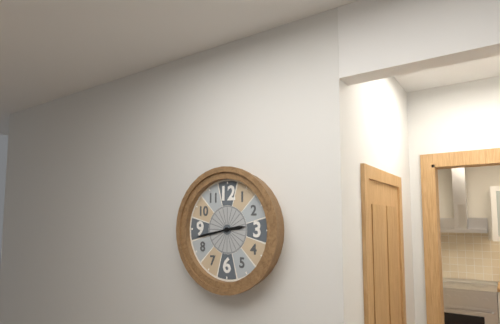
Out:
2.43
